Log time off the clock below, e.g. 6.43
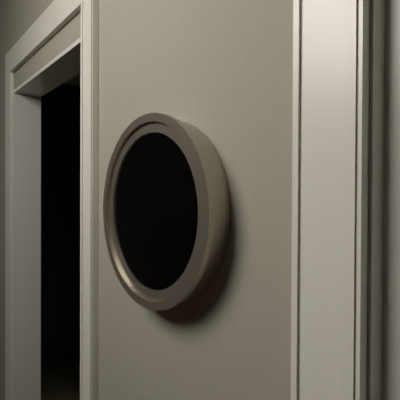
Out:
1.35
